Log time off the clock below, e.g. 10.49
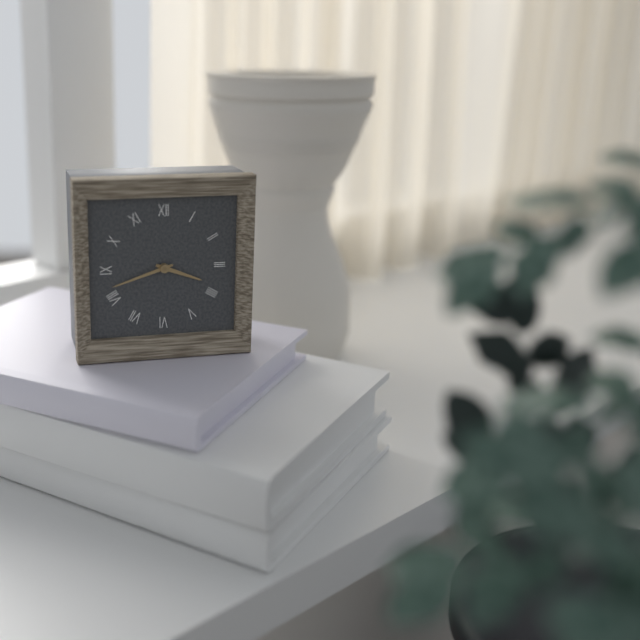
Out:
3.42
